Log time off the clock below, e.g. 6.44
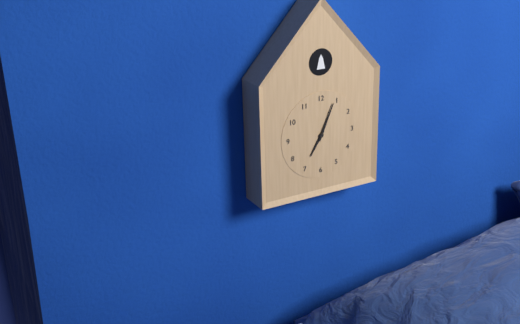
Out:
7.04
